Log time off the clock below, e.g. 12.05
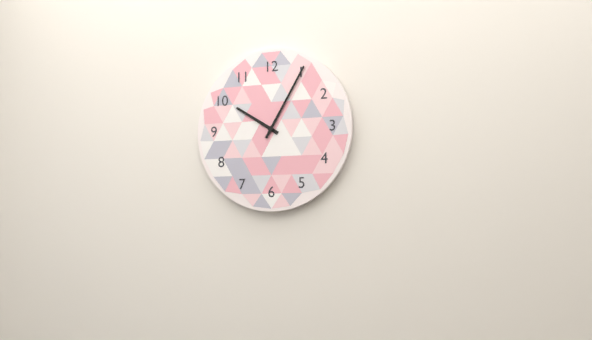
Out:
10.05
